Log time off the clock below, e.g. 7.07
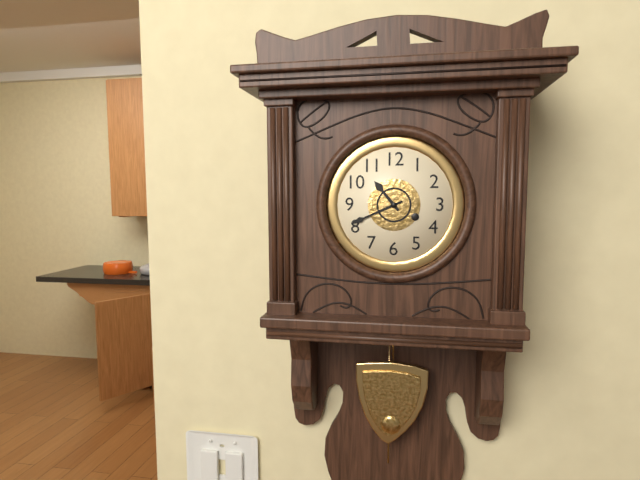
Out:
10.41
